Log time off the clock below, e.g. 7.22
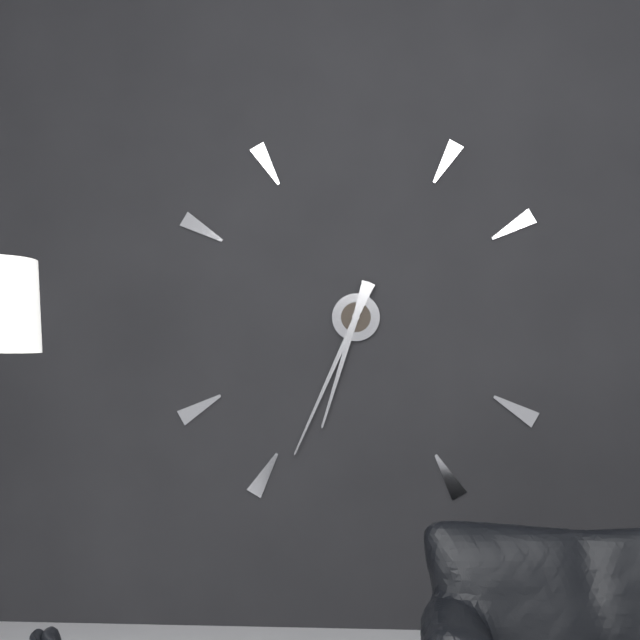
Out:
6.34
